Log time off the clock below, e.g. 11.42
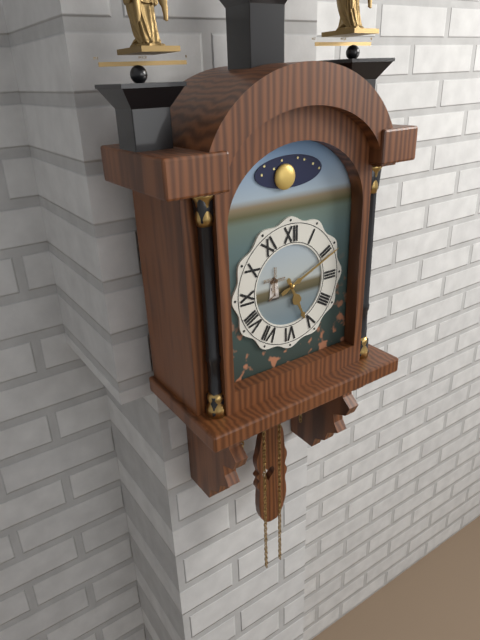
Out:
5.11
